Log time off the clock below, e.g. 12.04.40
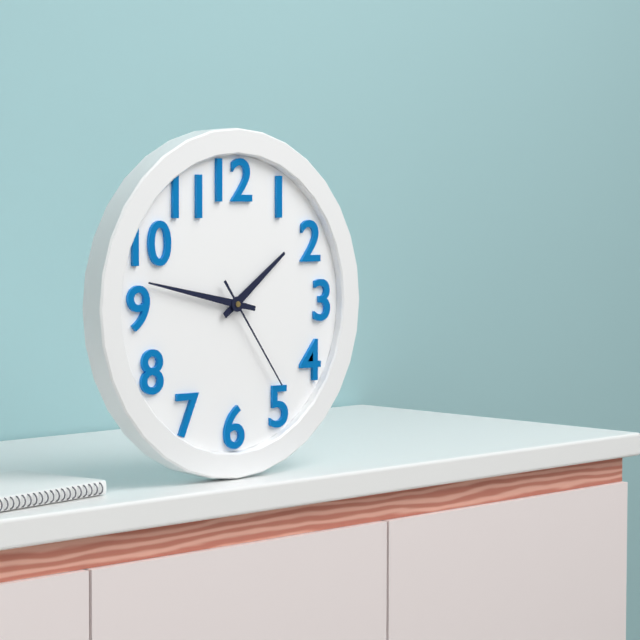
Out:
1.47.24
